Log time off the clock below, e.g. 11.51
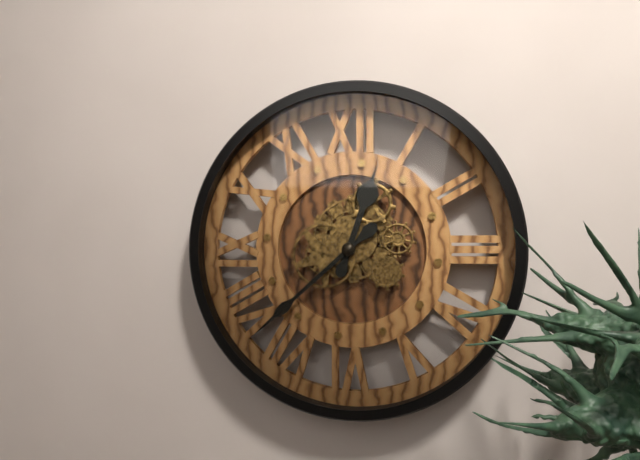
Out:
12.38
